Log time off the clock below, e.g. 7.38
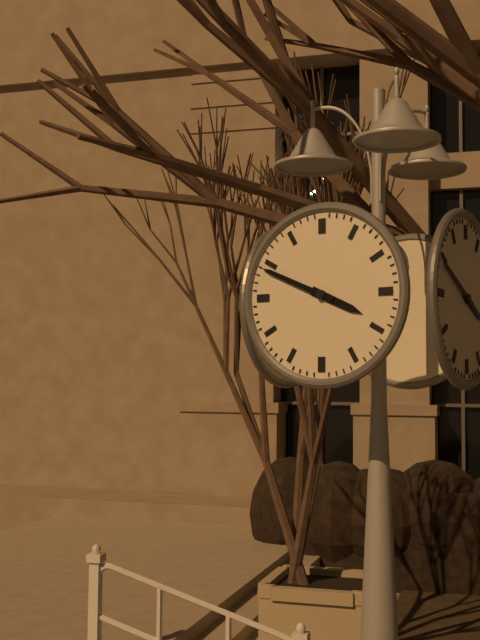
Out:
3.49
